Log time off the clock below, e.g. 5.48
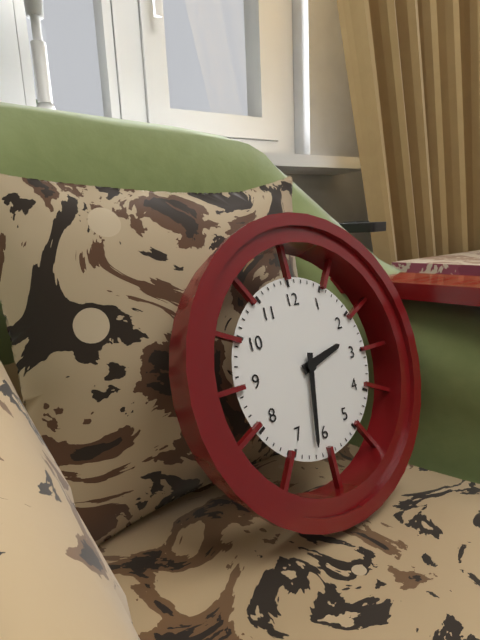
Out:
2.32
